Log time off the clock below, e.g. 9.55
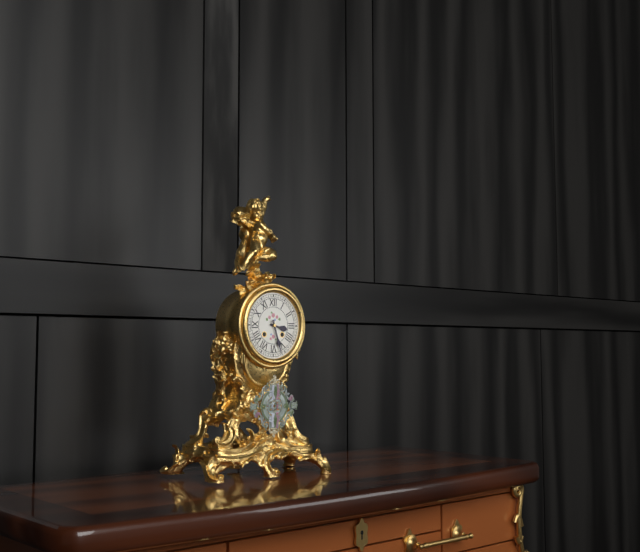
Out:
3.27
